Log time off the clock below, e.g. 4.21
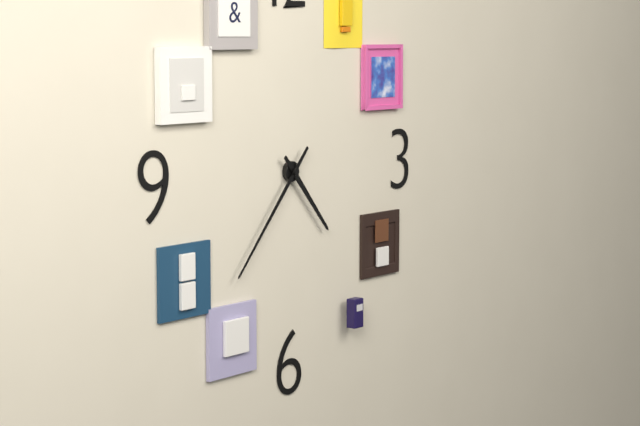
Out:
4.37
